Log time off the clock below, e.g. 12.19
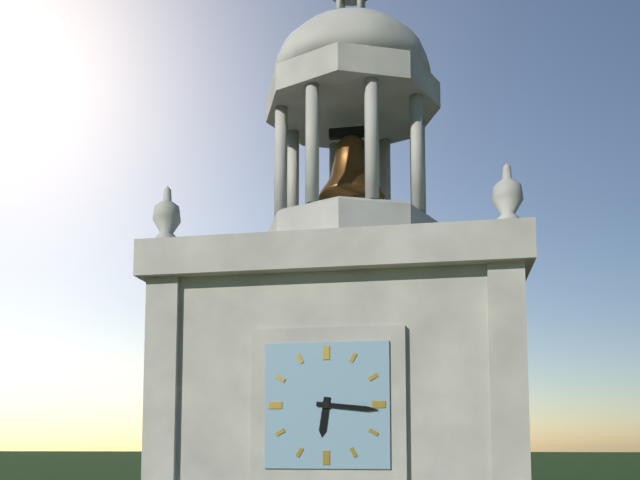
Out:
6.16
